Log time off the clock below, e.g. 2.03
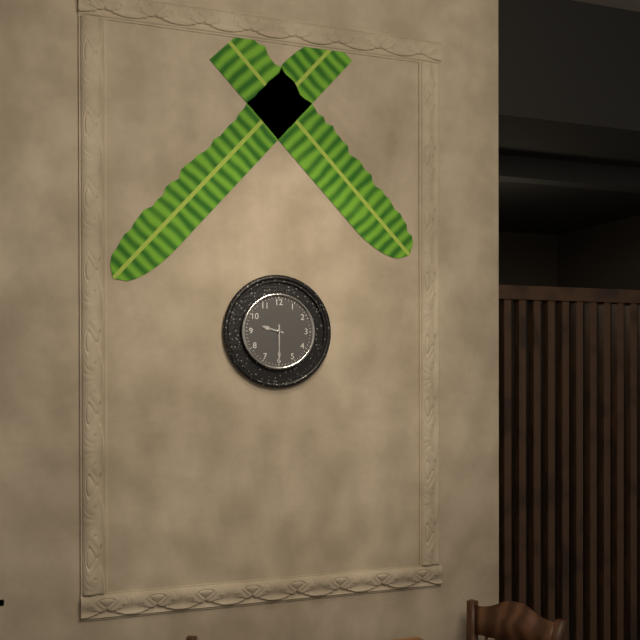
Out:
9.30
